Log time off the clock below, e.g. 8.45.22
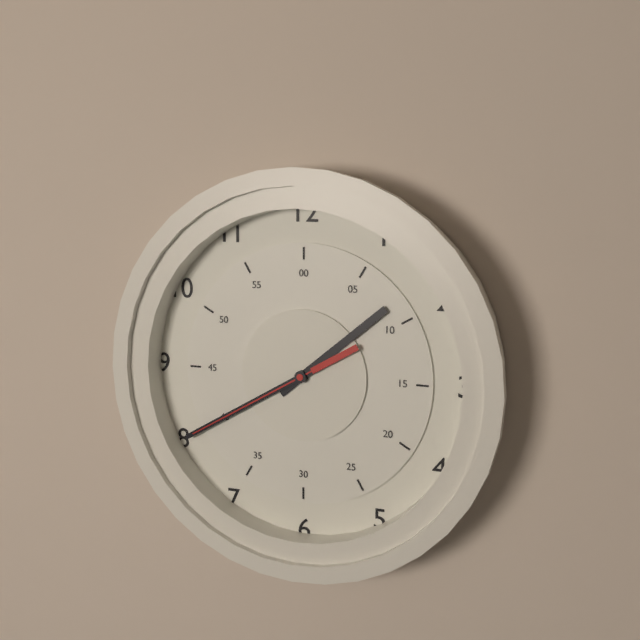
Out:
1.40.40
